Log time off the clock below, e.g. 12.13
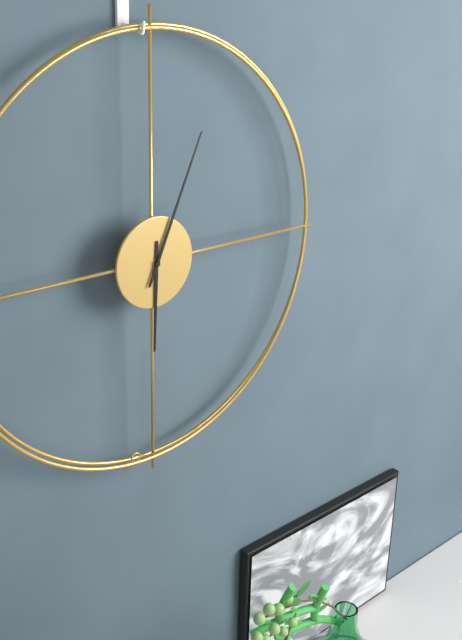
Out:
6.04
